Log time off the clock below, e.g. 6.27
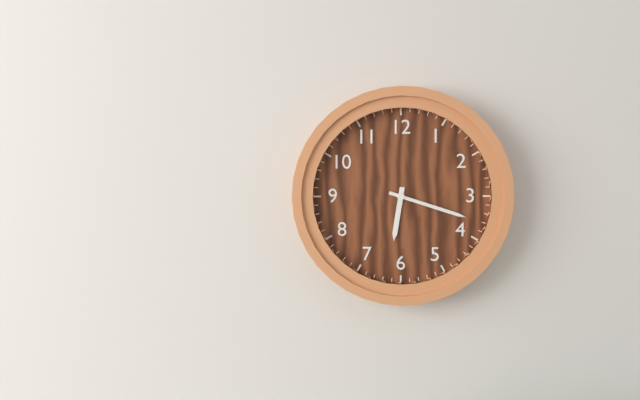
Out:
6.18
